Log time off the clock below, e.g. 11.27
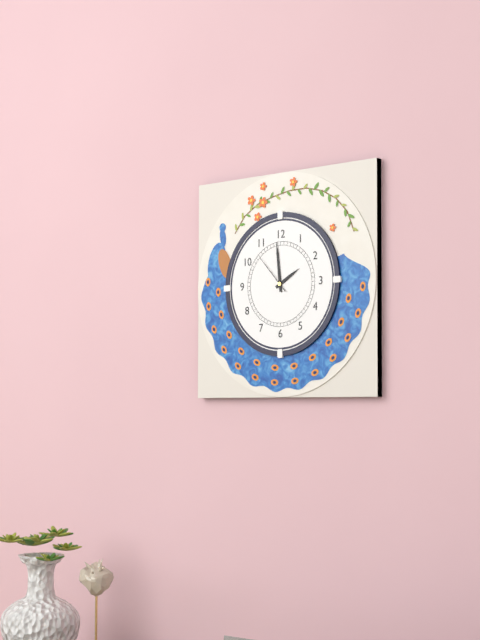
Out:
1.59
